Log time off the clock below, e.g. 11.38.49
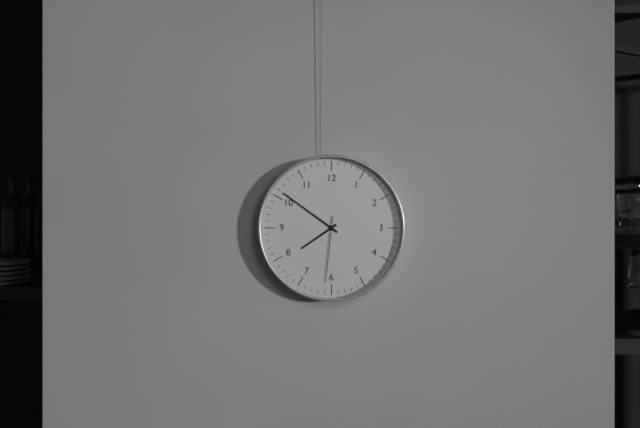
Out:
7.51.31
